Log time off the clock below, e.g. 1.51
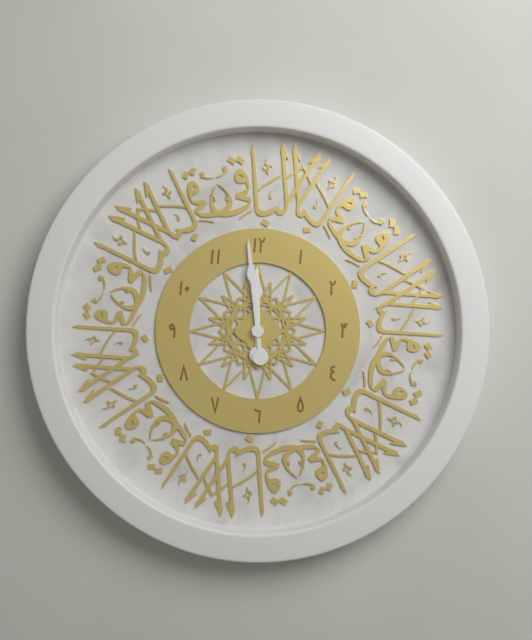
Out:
11.59
